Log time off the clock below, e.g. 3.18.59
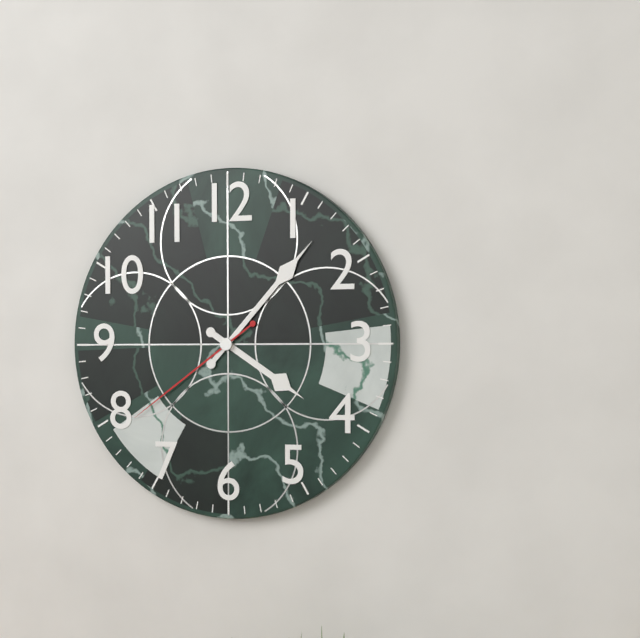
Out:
4.07.39
